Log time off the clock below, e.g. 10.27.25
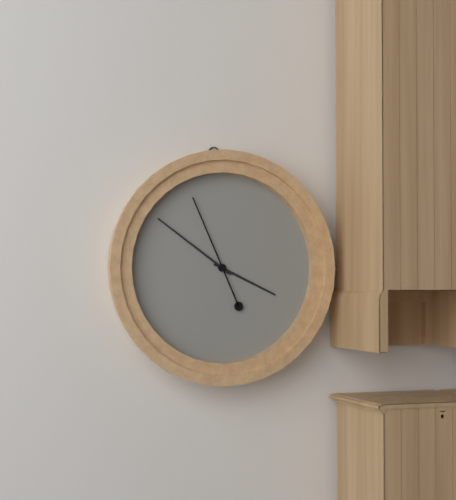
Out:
3.51.56
